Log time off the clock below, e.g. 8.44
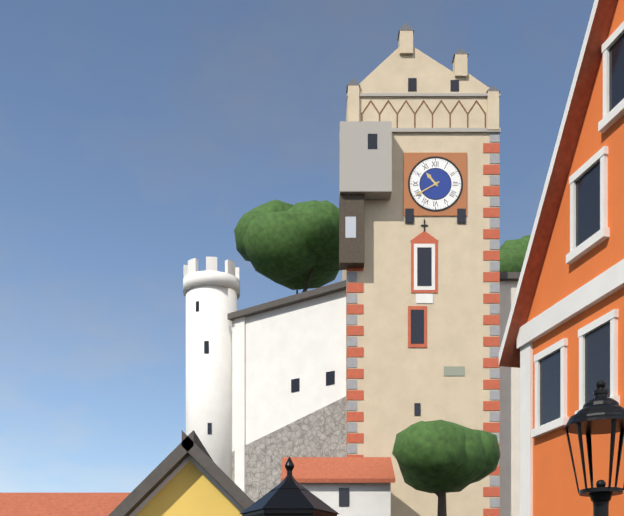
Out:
10.40
